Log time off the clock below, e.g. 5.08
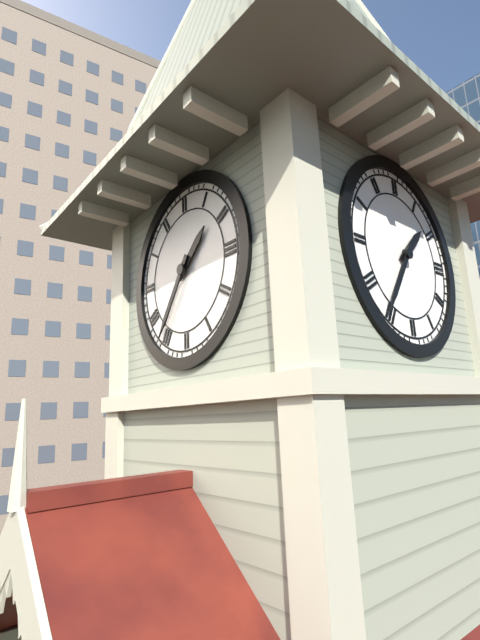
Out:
1.36
